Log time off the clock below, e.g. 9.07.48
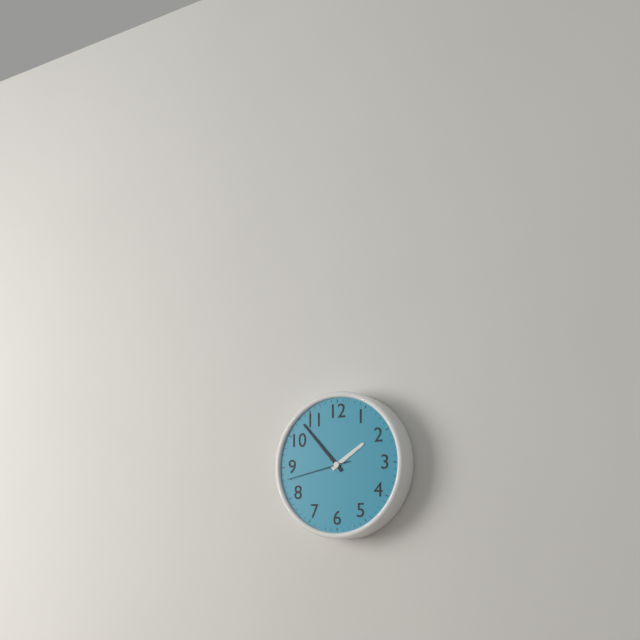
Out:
1.53.43
